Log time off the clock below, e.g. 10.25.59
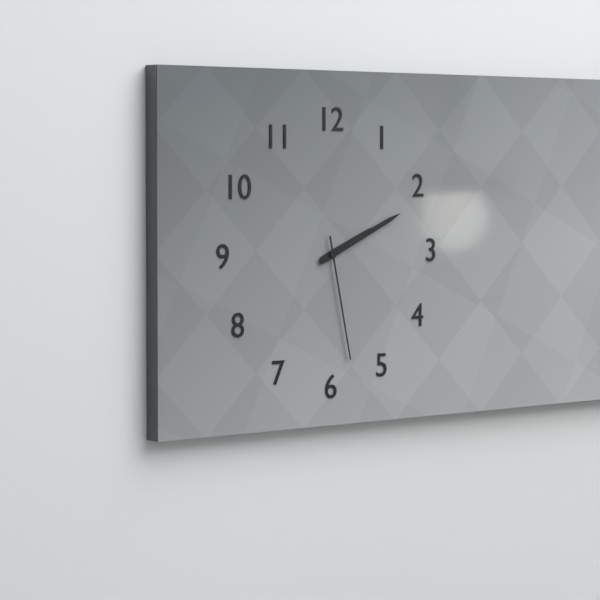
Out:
2.11.28
